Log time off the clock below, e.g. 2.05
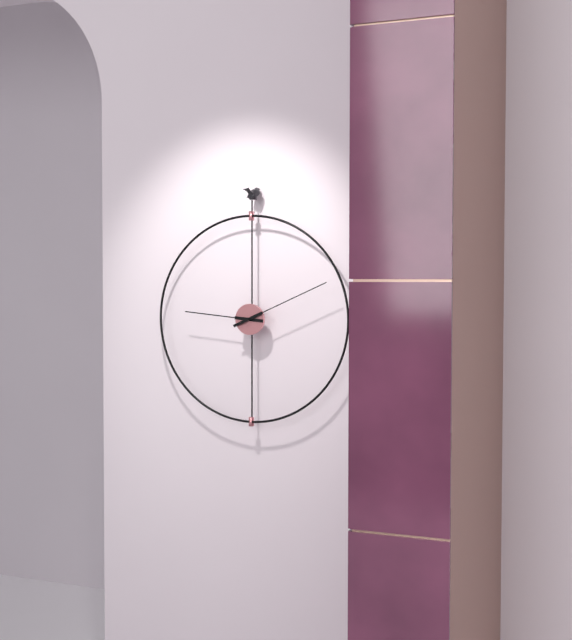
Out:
9.11
